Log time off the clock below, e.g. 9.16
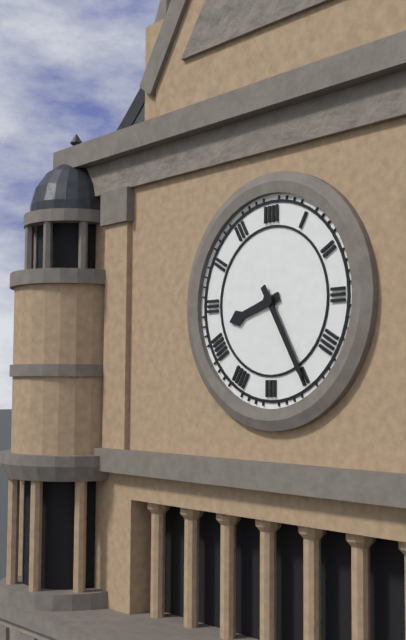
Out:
8.25
